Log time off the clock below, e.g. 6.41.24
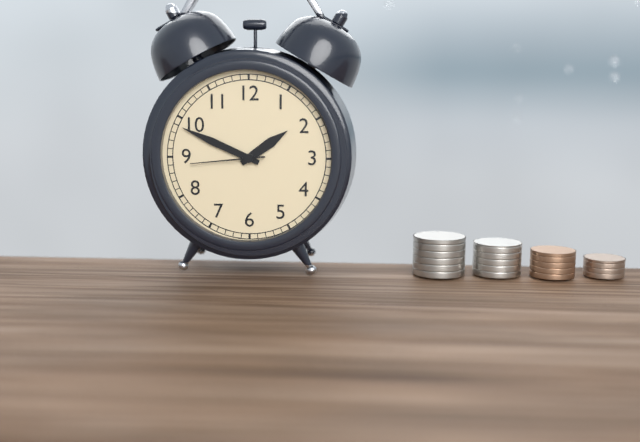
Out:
1.49.44
